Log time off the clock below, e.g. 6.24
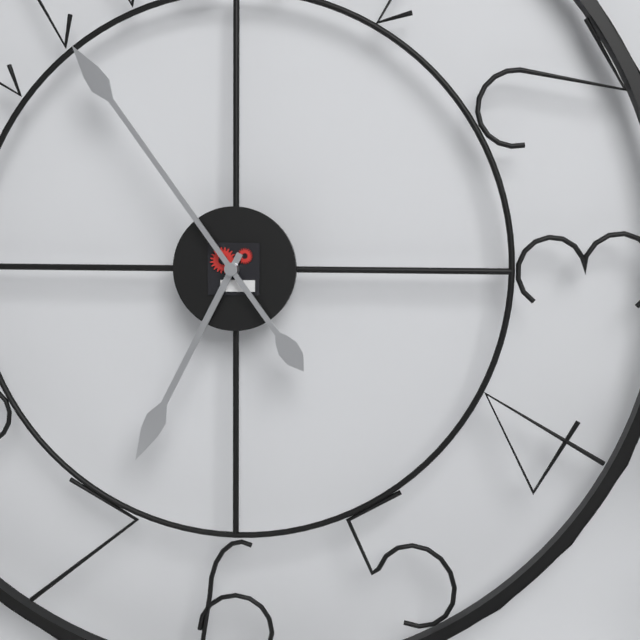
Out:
6.54
